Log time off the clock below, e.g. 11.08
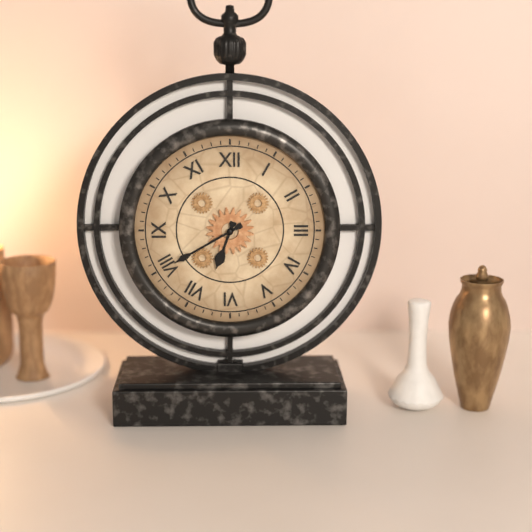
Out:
6.40
